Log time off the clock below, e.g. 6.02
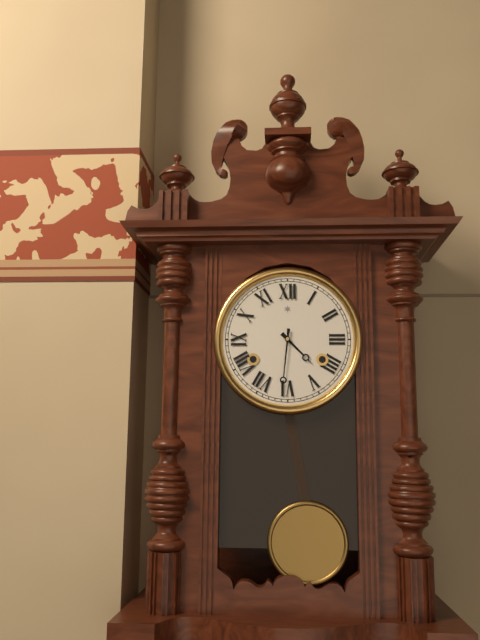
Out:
4.31
